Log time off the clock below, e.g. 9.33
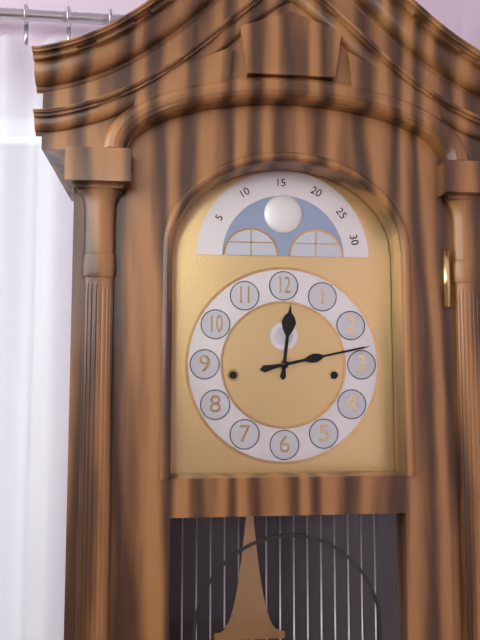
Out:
12.13
